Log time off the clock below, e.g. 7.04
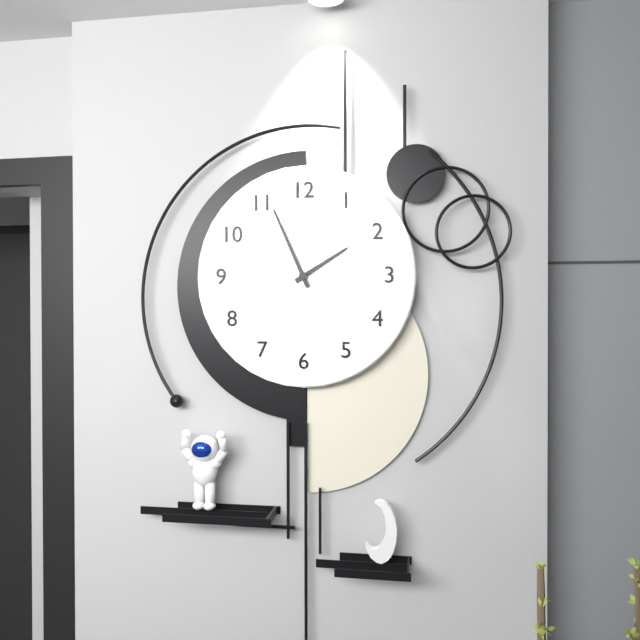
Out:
1.56
